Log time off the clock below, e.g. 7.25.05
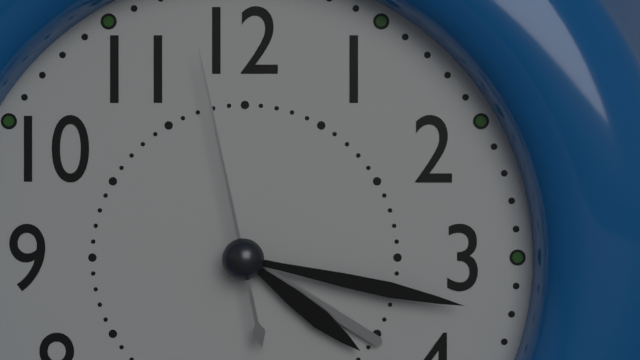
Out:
4.17.58
